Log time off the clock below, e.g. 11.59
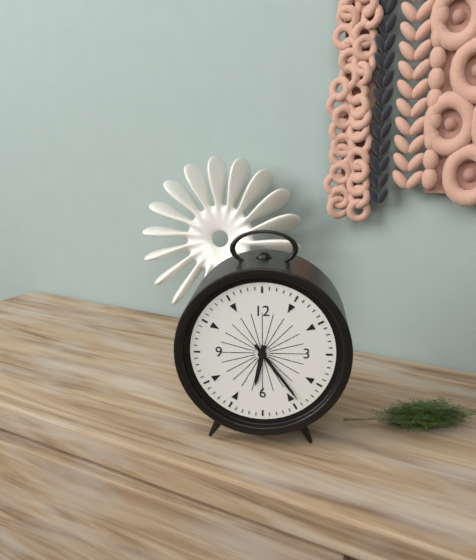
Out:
6.24
